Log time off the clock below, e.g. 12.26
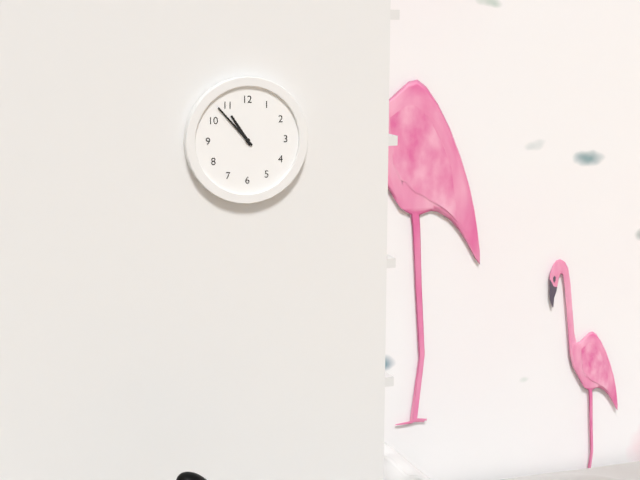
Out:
10.53
